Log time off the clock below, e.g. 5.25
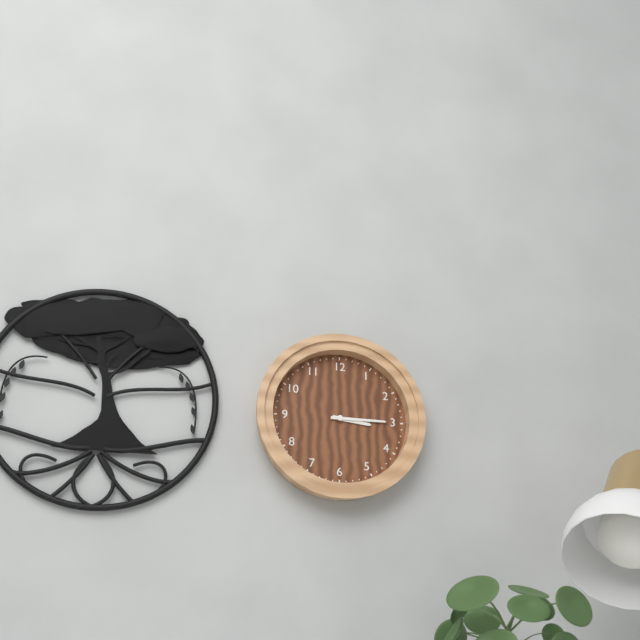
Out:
3.15
